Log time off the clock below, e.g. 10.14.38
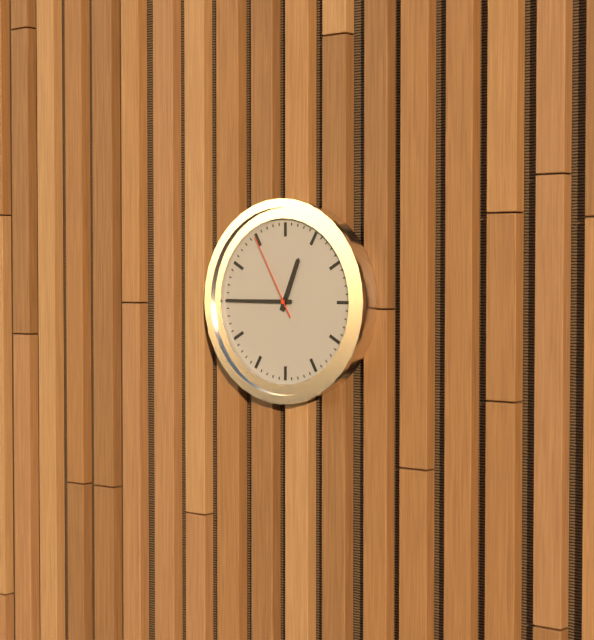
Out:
12.45.55
